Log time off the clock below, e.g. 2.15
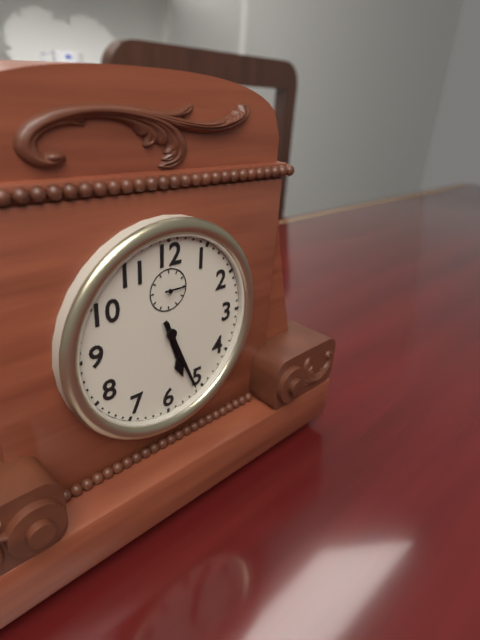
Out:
5.26
